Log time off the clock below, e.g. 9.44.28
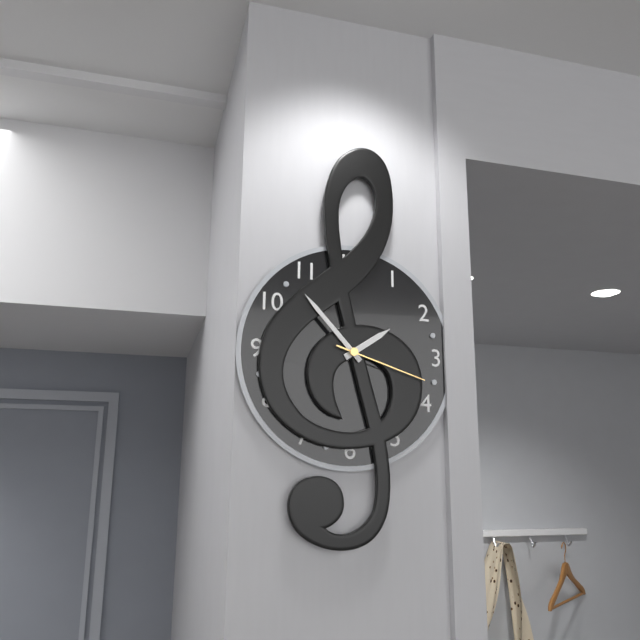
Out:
1.53.18
